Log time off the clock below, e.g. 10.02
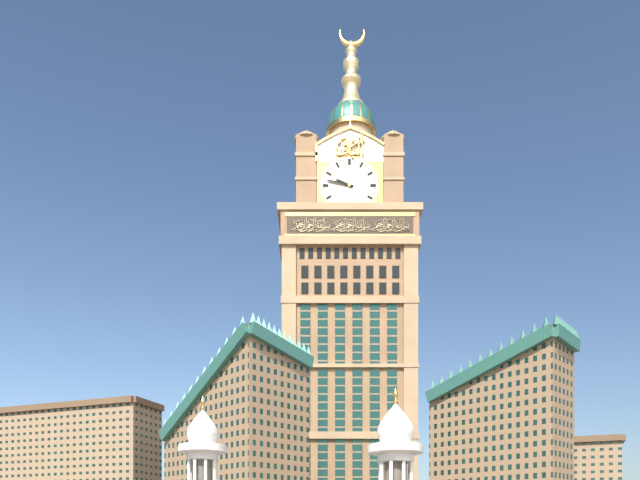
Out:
9.47
